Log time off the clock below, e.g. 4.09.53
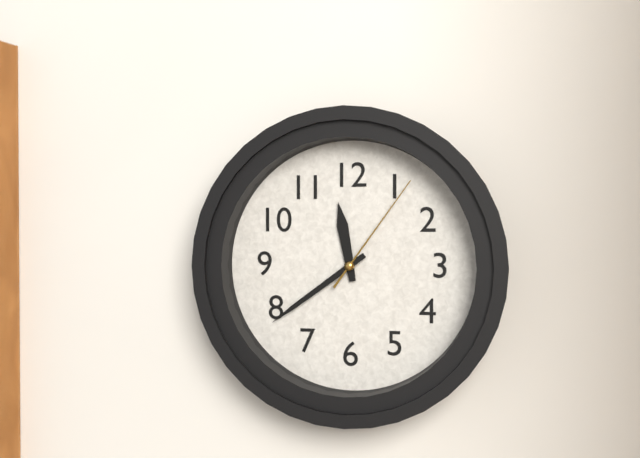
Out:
11.39.06
